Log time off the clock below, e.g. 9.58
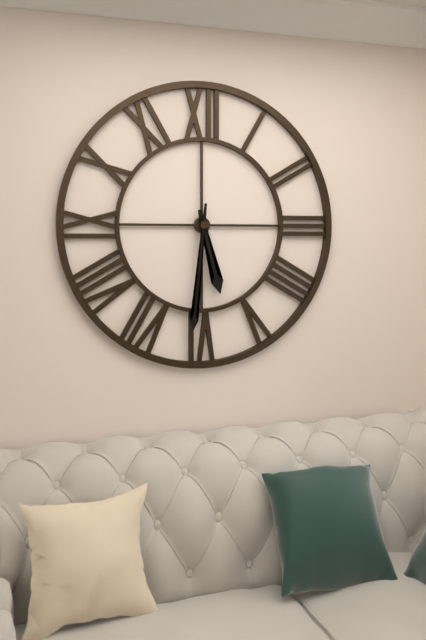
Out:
5.31
